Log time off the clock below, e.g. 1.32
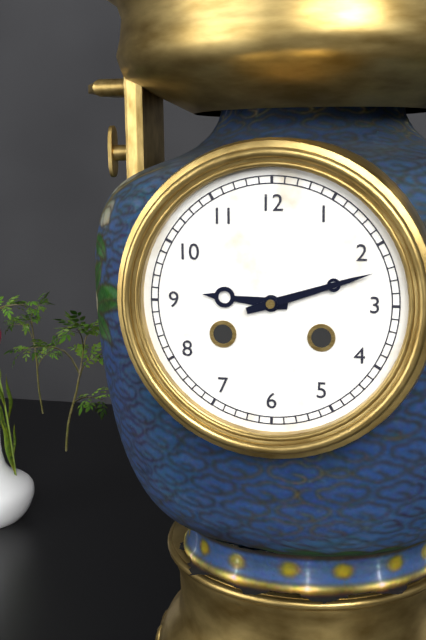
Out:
9.12
